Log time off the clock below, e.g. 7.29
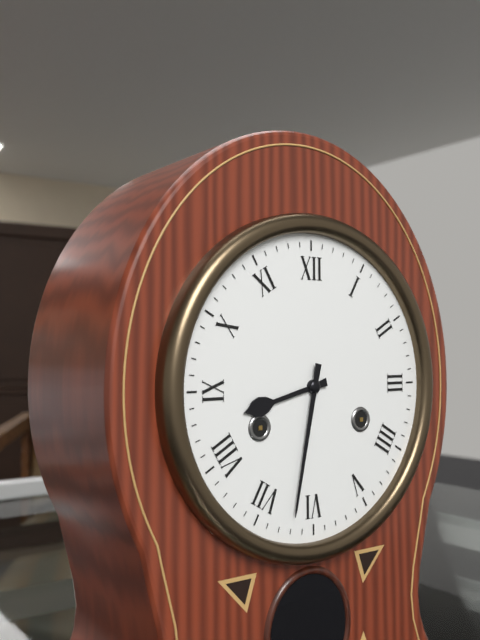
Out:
8.32
